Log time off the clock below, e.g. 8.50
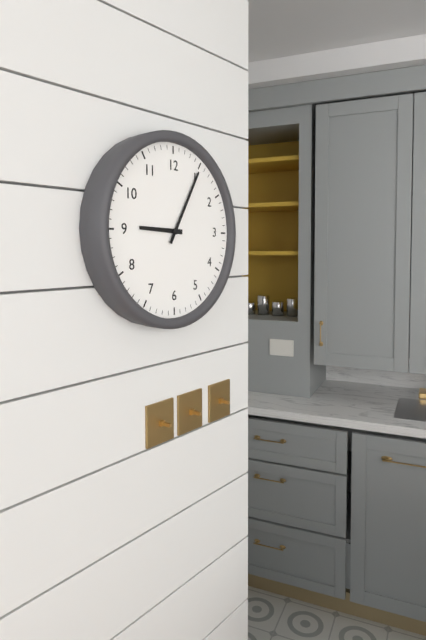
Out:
9.05
